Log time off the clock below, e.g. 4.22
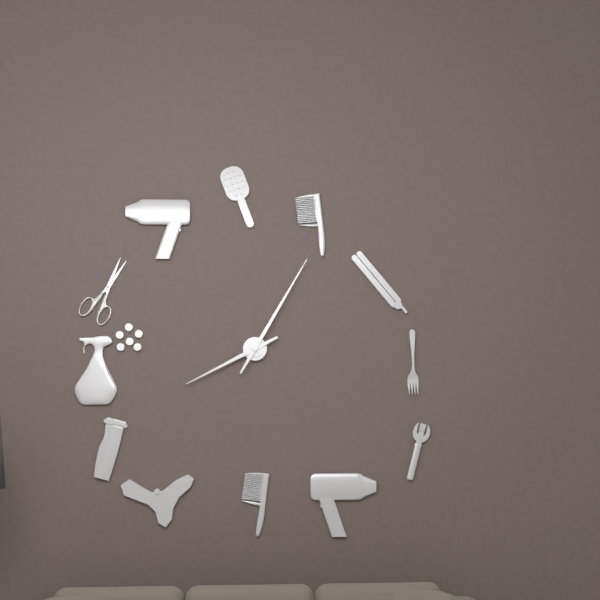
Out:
8.05
